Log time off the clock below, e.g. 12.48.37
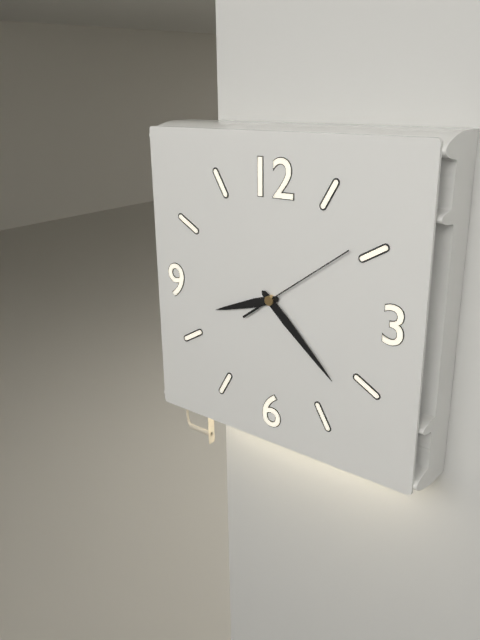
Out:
8.22.09
